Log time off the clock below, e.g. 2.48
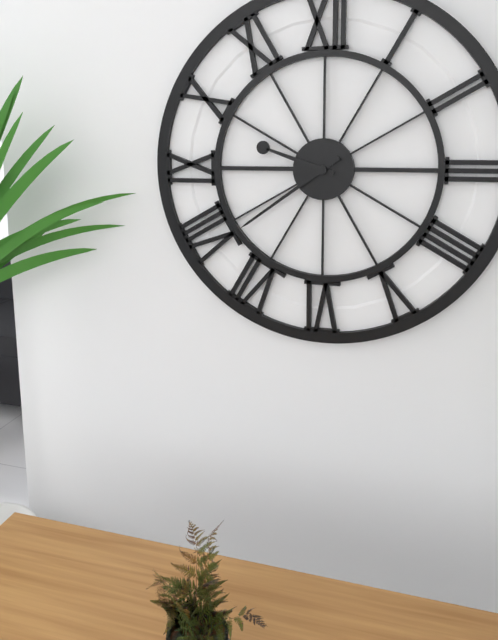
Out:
9.39
